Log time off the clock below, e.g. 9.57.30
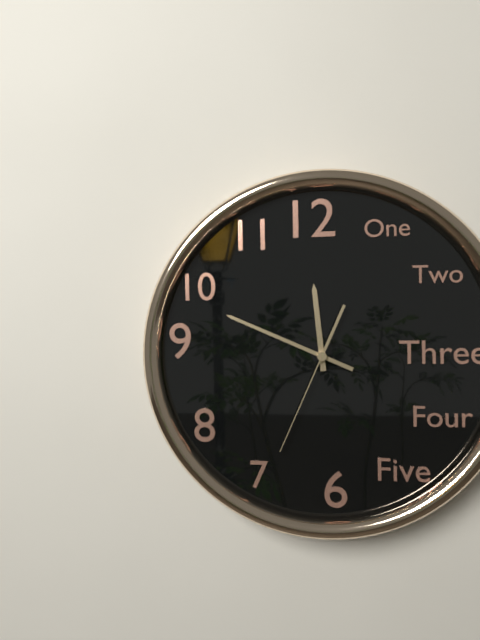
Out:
11.49.34
